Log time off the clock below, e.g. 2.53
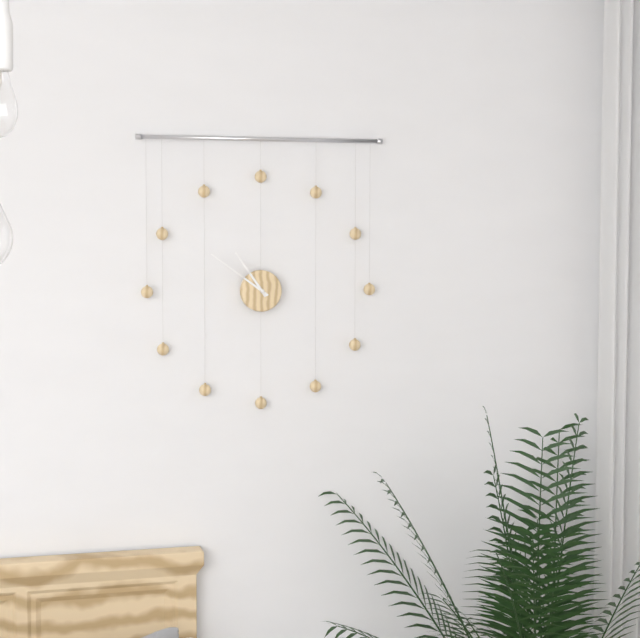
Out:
10.51
